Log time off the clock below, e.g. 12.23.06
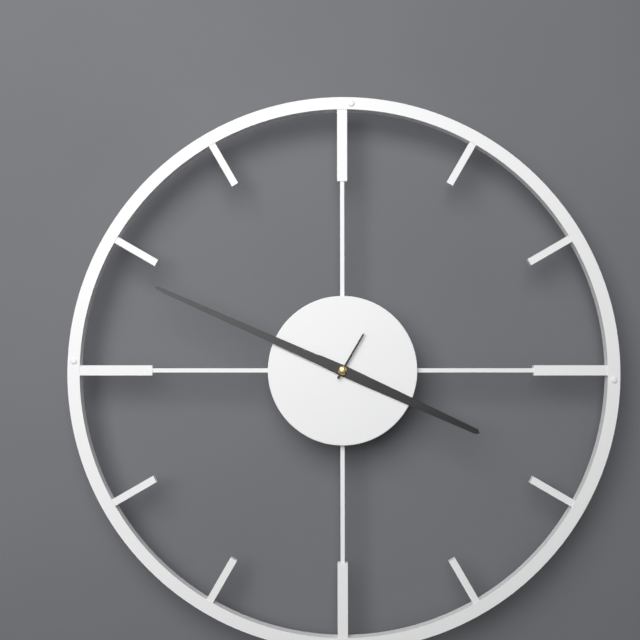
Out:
3.49.05
